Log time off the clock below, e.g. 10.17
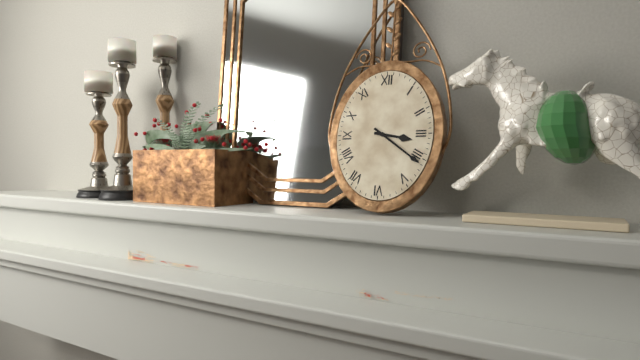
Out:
3.21
